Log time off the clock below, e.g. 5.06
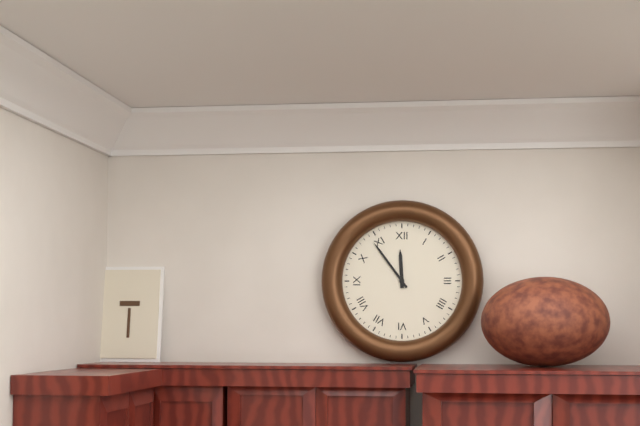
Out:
11.54
